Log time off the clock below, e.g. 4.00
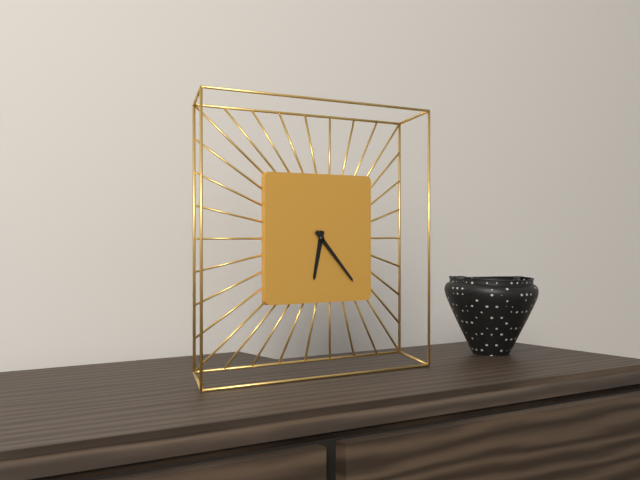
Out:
6.23
